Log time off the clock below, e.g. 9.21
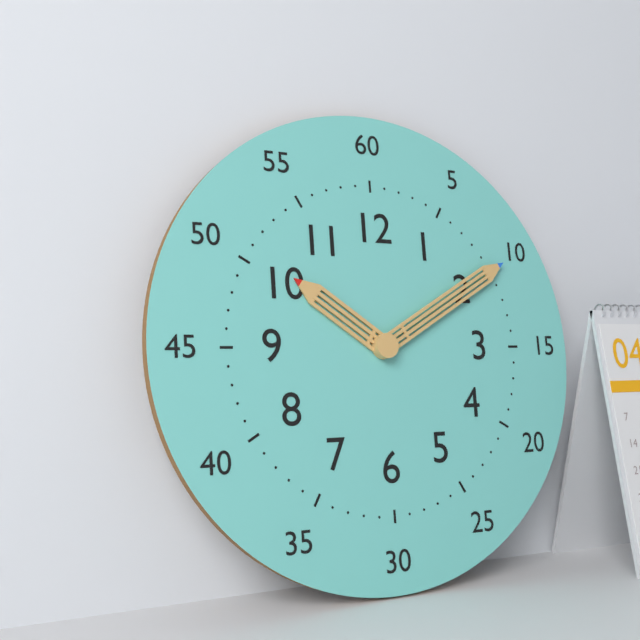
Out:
10.10
